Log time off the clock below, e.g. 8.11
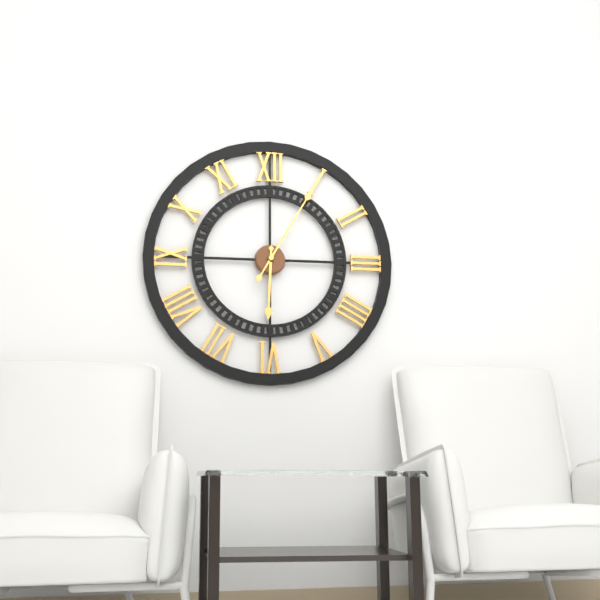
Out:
6.05
